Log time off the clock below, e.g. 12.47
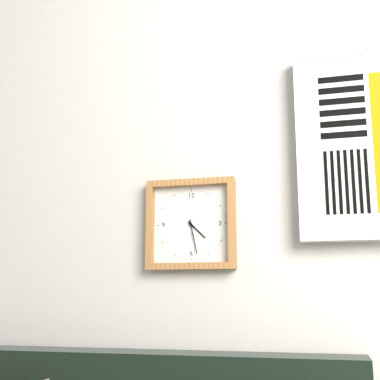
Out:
4.28
